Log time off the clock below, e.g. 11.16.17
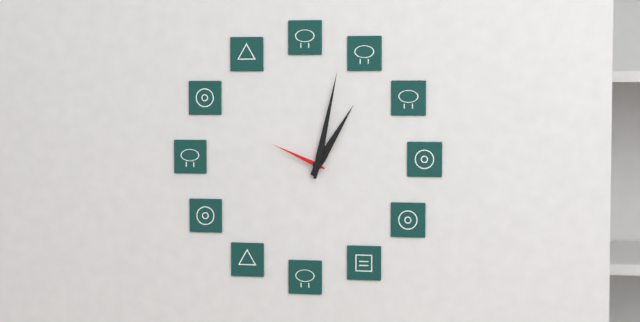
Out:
1.02.49
